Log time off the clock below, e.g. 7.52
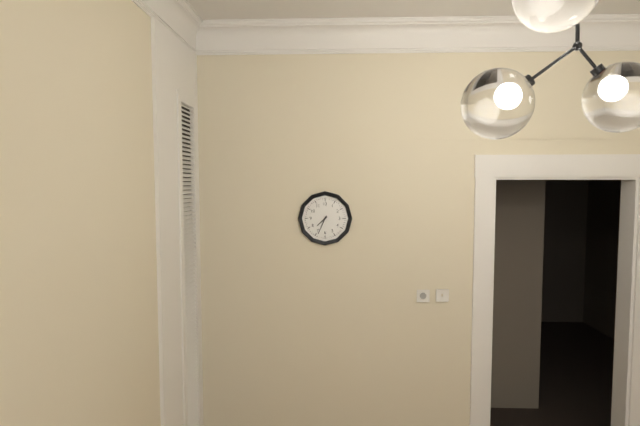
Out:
7.34
